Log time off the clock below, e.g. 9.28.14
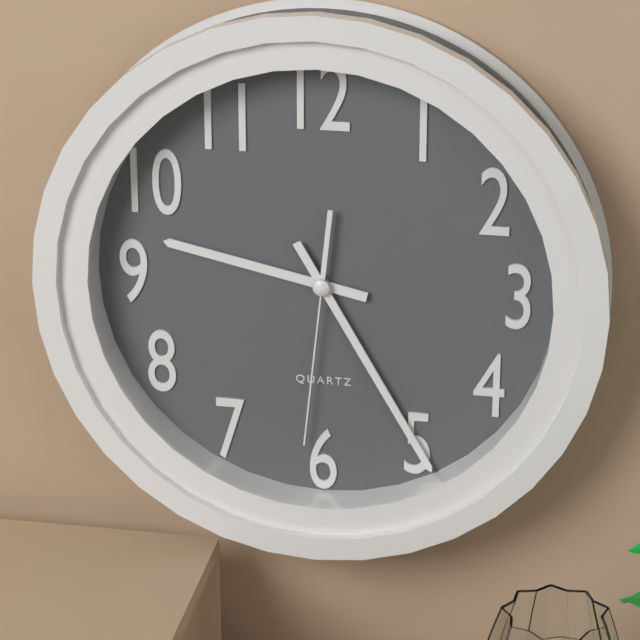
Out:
9.25.31
